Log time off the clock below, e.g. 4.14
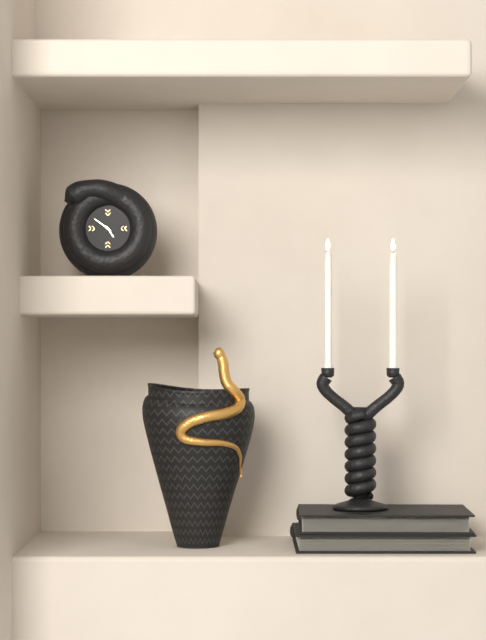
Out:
4.51
